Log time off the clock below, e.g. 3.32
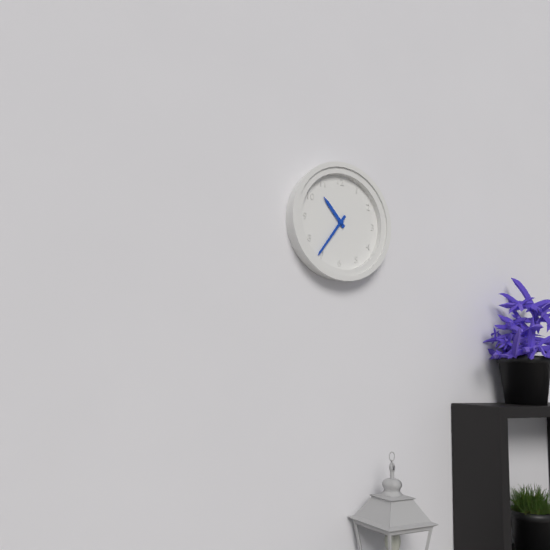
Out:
10.36
